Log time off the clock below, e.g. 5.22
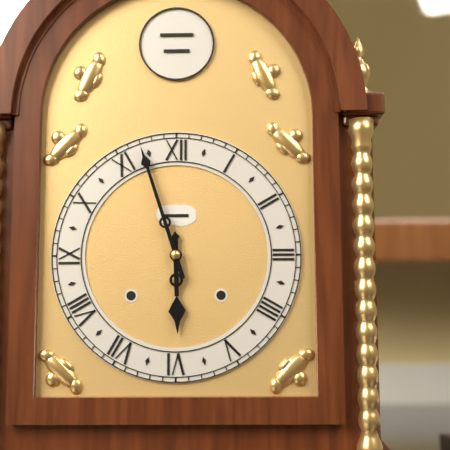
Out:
5.57
